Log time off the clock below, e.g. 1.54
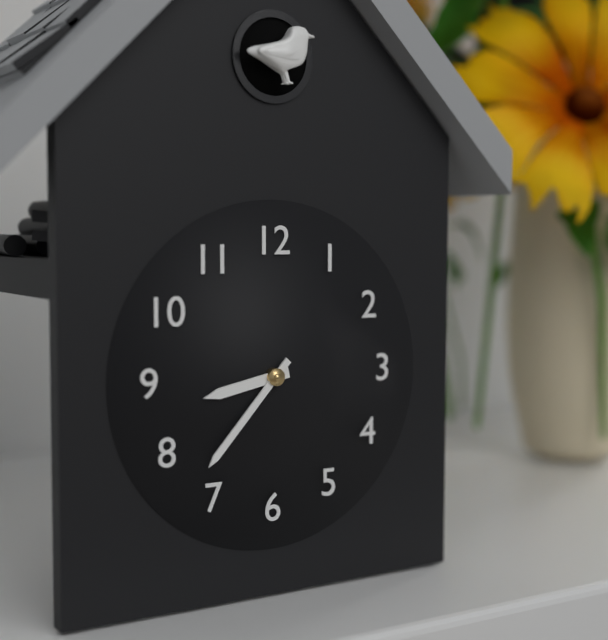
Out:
8.37
